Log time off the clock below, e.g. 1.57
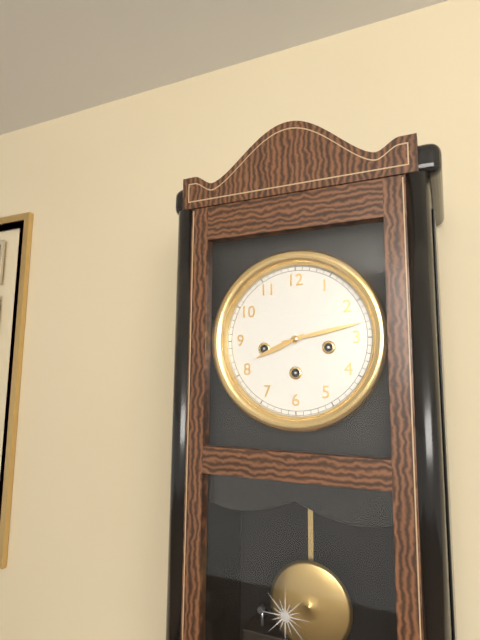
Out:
8.13
